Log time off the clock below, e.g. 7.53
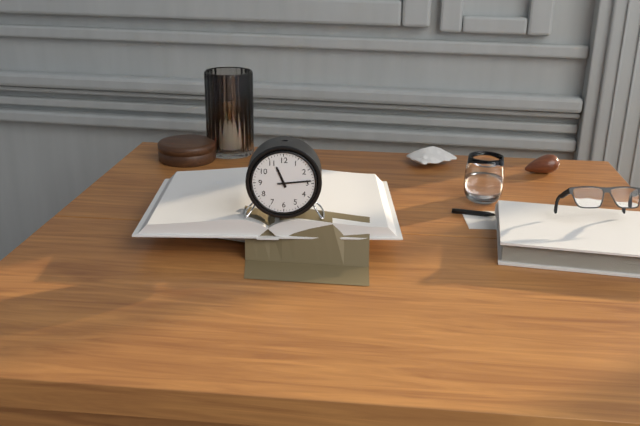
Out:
11.14
